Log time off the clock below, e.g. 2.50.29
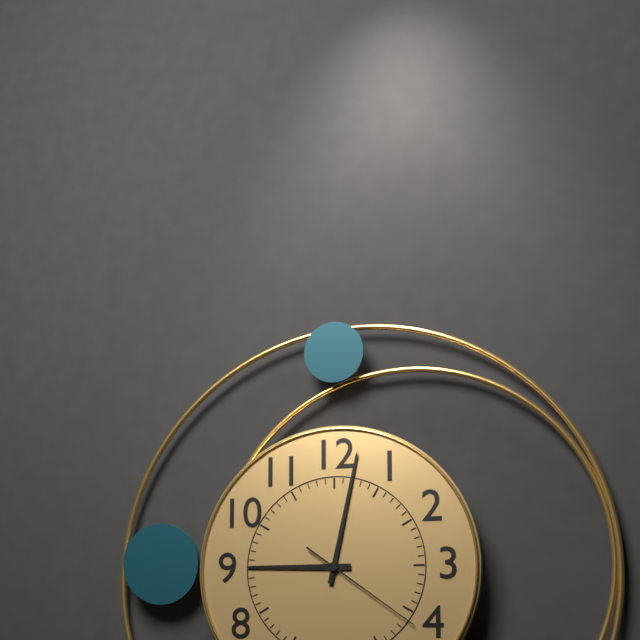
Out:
9.02.21
